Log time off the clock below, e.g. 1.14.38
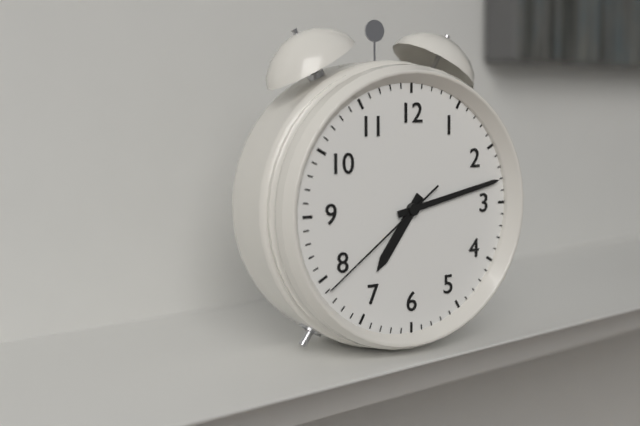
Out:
7.13.39
